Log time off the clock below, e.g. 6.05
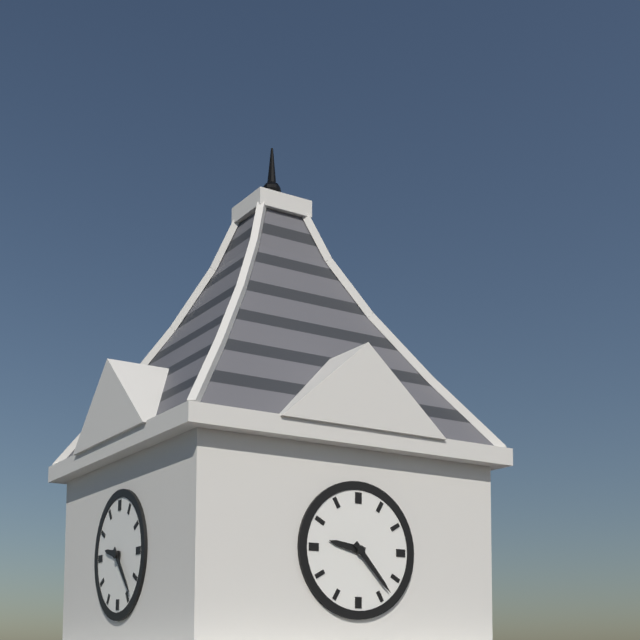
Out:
9.23
